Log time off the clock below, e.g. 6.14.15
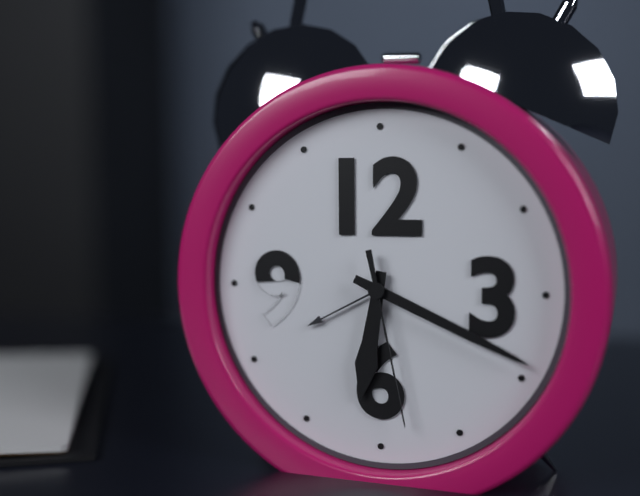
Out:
6.19.28
